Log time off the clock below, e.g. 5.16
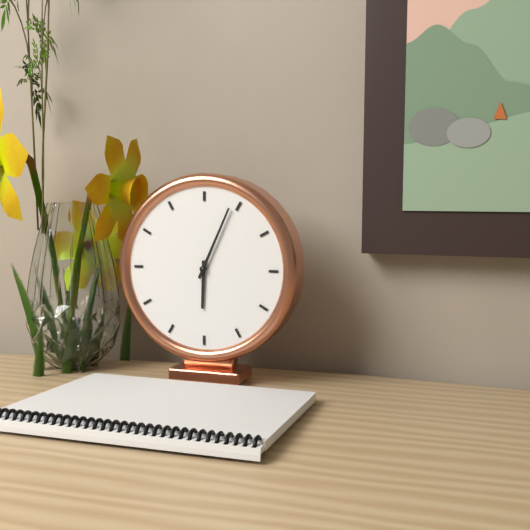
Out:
6.04
